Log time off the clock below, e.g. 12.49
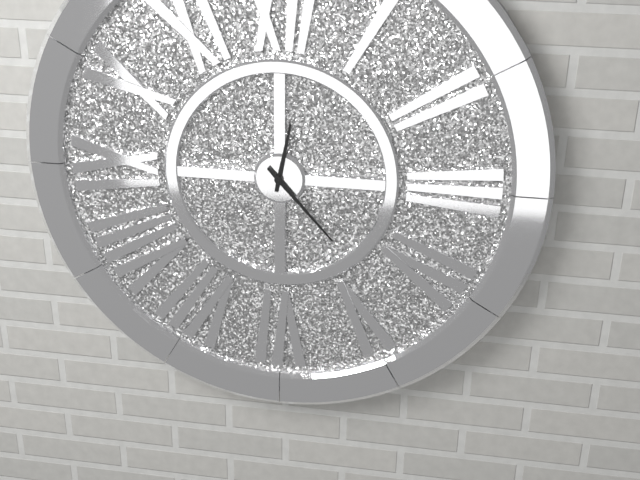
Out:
12.23
